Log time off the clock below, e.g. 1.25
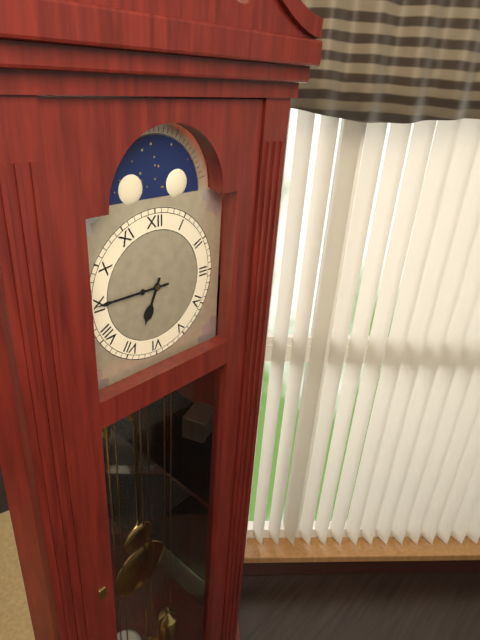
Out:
6.45
